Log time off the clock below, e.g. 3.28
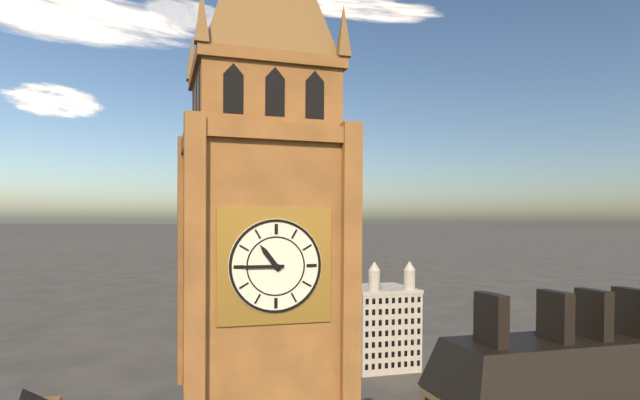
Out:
10.45
